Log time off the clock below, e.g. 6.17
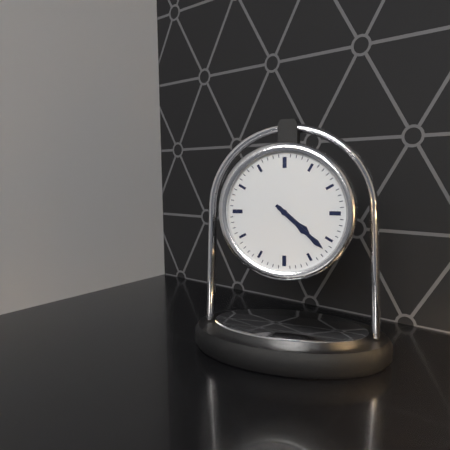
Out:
4.22
